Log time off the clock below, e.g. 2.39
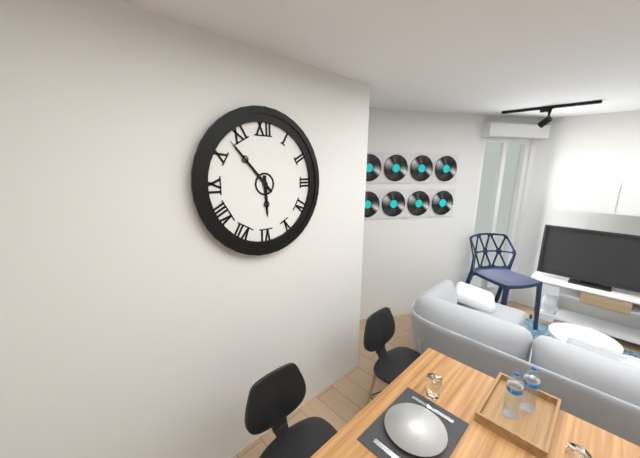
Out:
5.53
